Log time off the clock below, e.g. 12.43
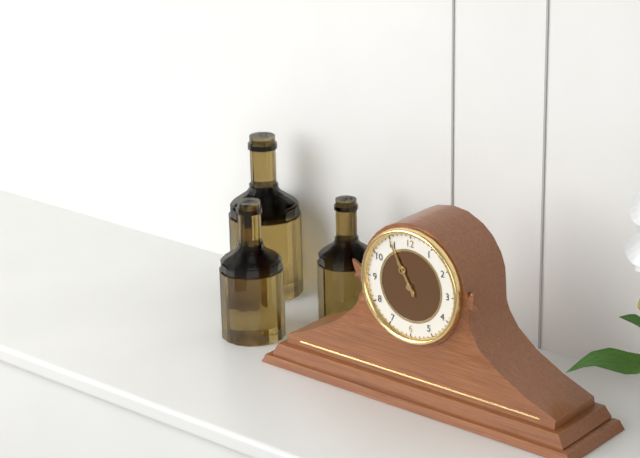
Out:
10.55
